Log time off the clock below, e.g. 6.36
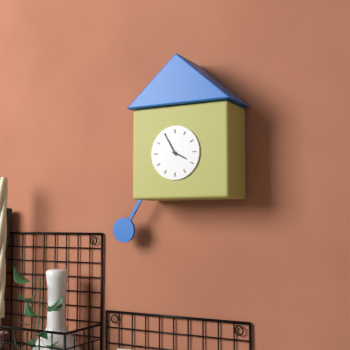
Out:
3.55
